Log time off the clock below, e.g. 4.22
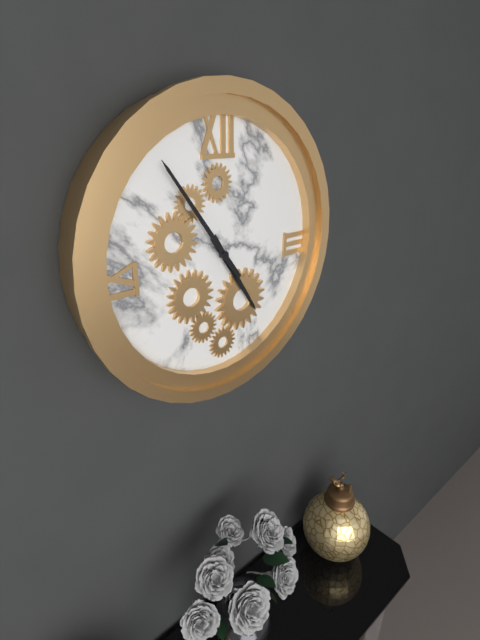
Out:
4.54
